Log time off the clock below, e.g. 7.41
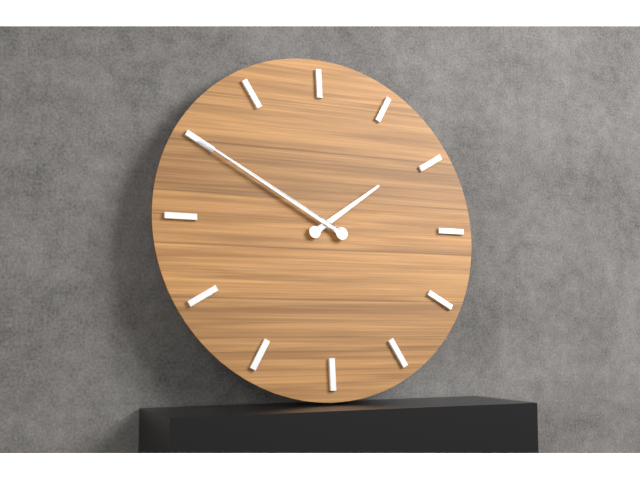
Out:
1.50
